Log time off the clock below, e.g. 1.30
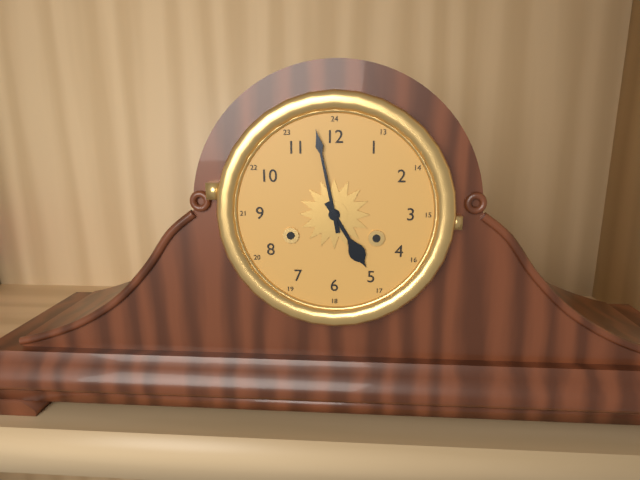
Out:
4.58
